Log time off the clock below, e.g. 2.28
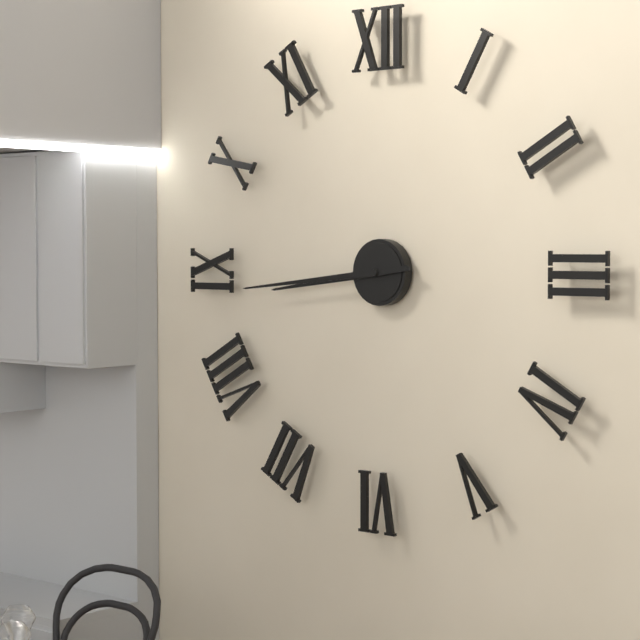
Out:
8.44
